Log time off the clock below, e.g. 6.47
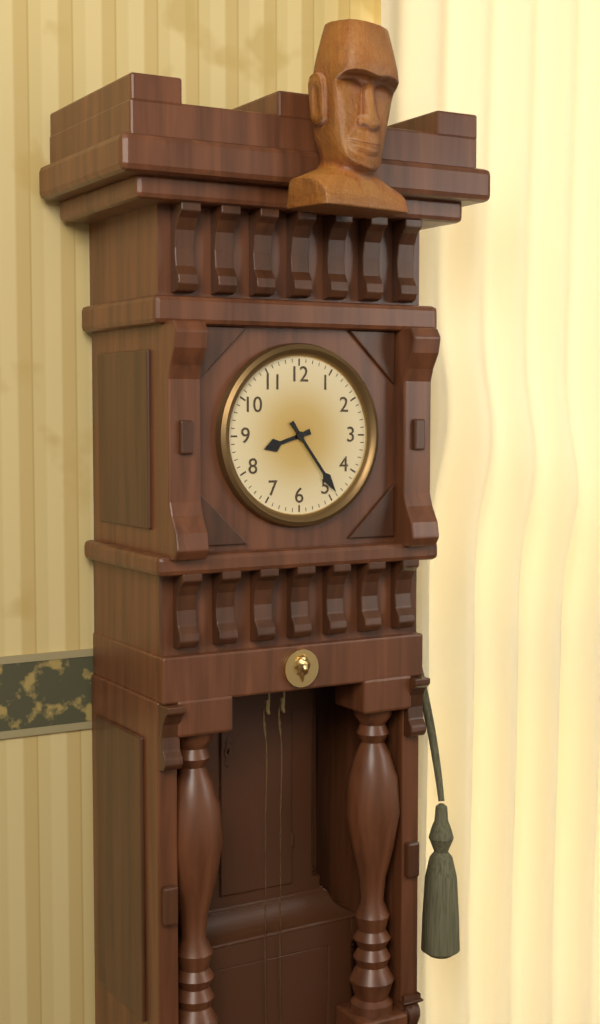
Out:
8.24
